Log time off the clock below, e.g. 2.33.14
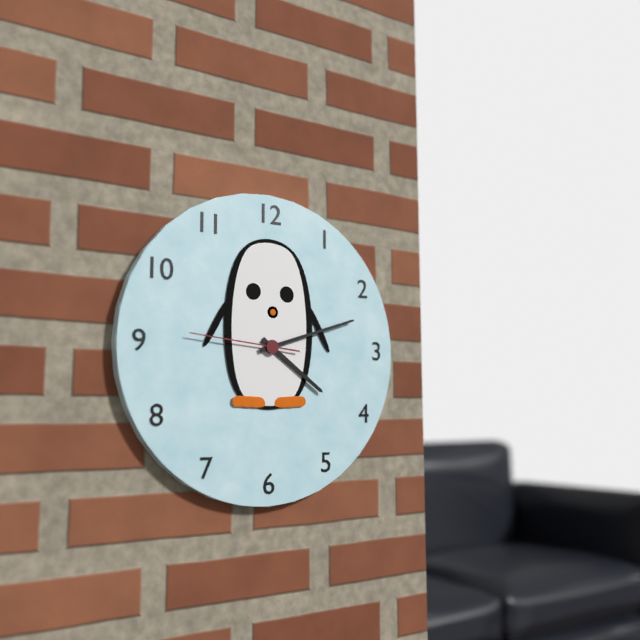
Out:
4.12.46
